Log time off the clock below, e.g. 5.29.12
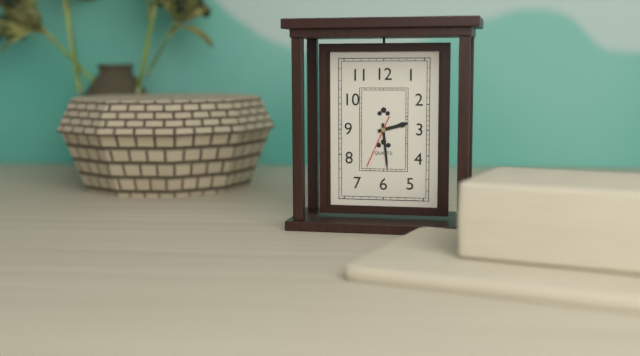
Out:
2.29.34
